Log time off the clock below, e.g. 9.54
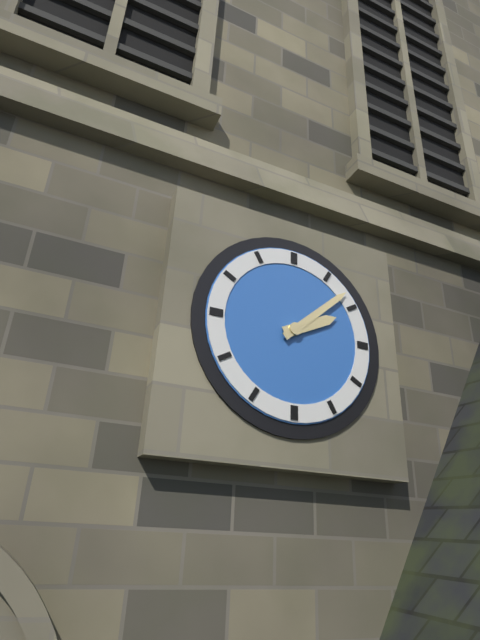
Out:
2.08
